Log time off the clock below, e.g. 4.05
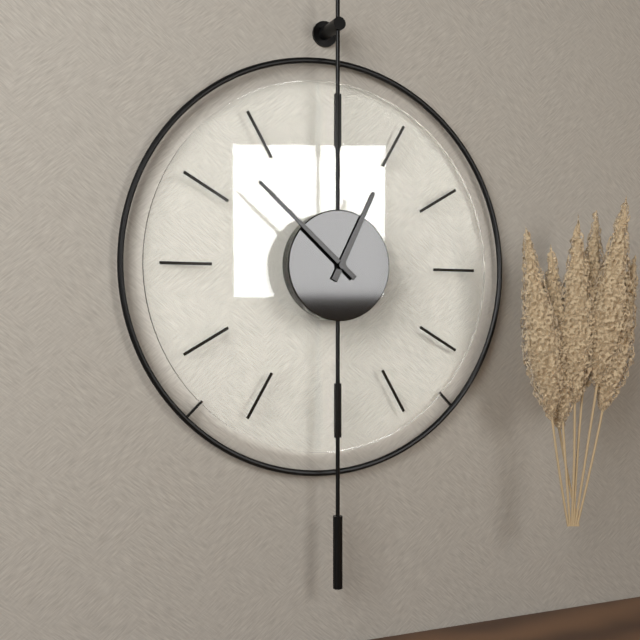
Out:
12.52
